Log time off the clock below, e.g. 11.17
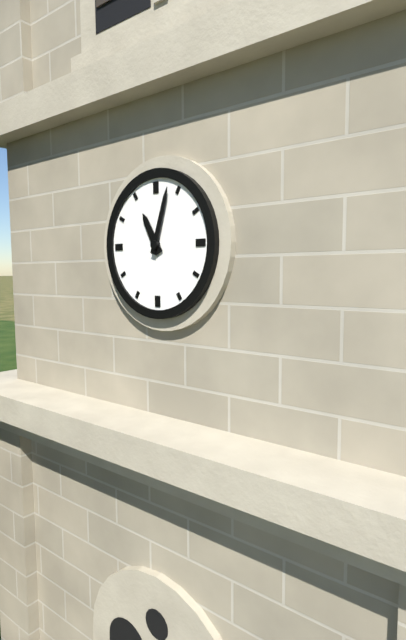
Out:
11.03
